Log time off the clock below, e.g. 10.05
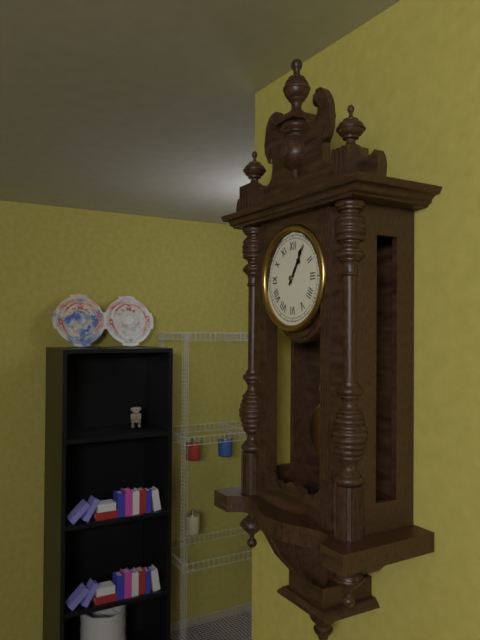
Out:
1.05
